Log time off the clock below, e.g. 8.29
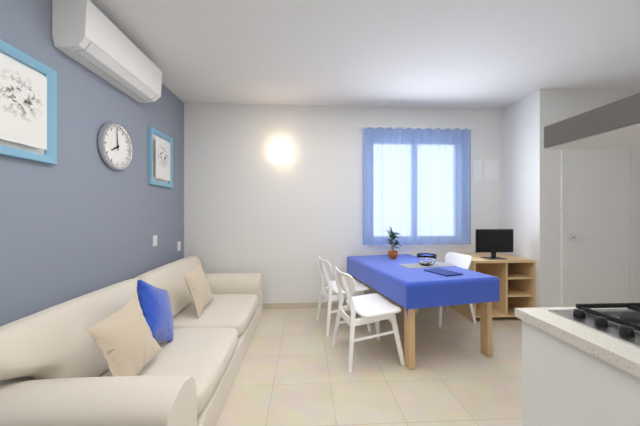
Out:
7.59
